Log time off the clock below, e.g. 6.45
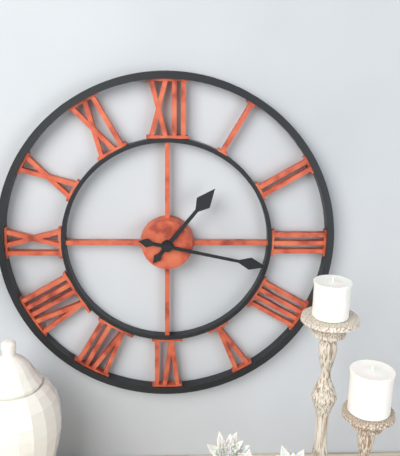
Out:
1.17
